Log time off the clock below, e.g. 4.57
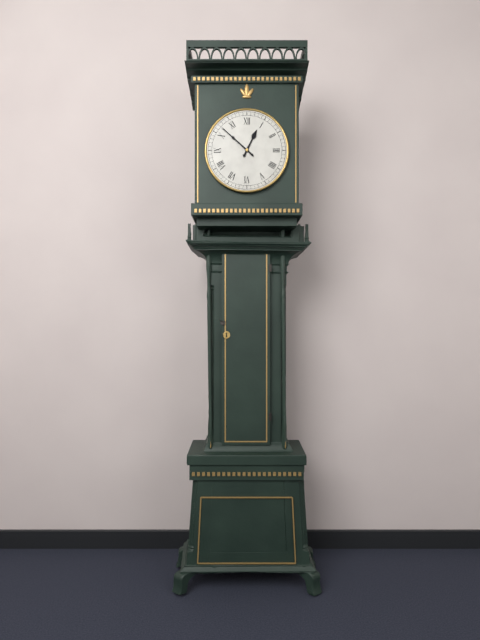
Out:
12.52
